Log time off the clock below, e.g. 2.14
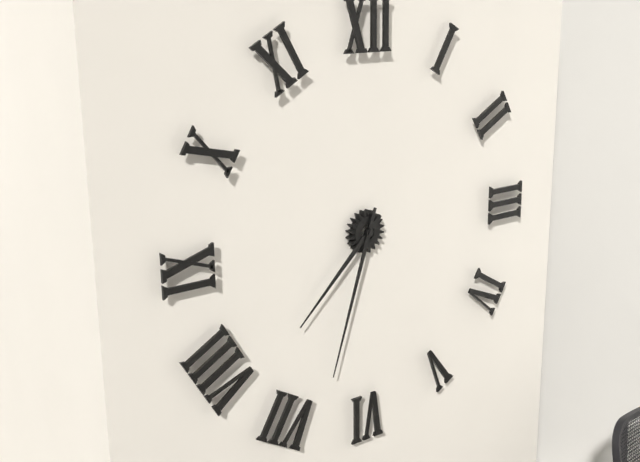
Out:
7.33
